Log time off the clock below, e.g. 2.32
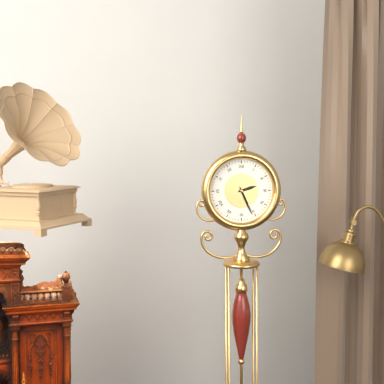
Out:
2.26
